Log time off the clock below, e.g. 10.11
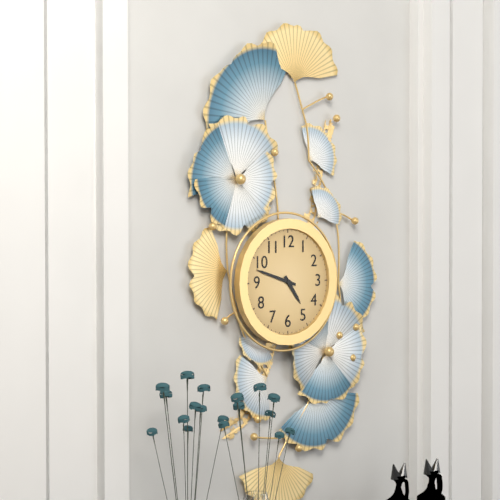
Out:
4.48
